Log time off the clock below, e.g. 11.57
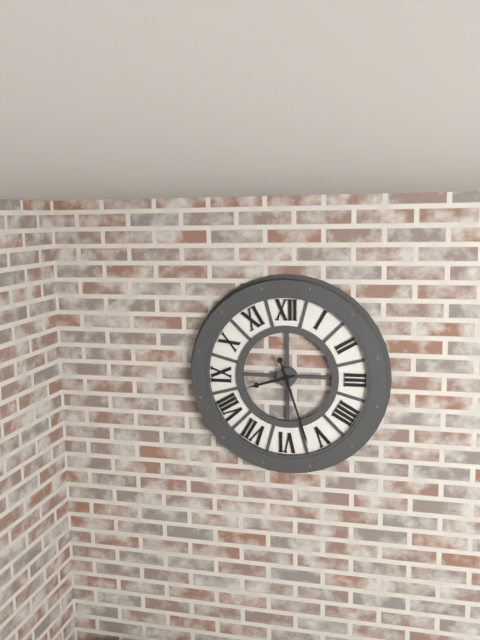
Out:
8.27
